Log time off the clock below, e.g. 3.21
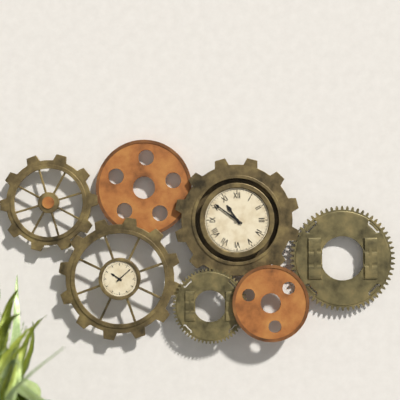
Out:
10.51
